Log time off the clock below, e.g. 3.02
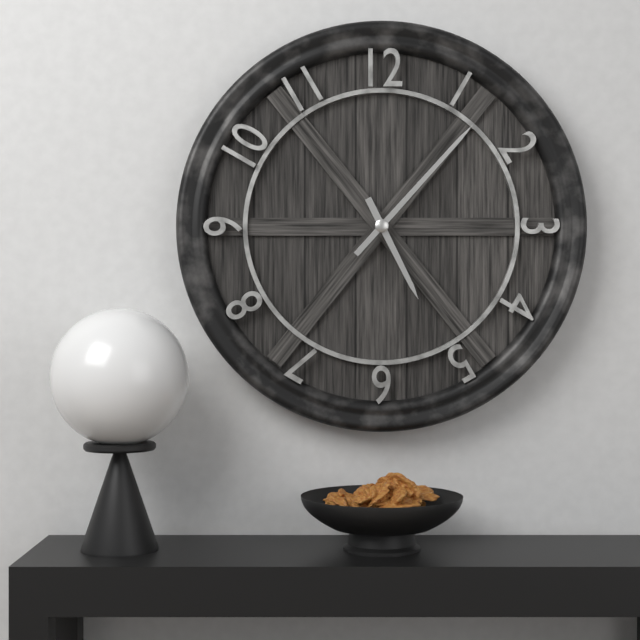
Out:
5.07
